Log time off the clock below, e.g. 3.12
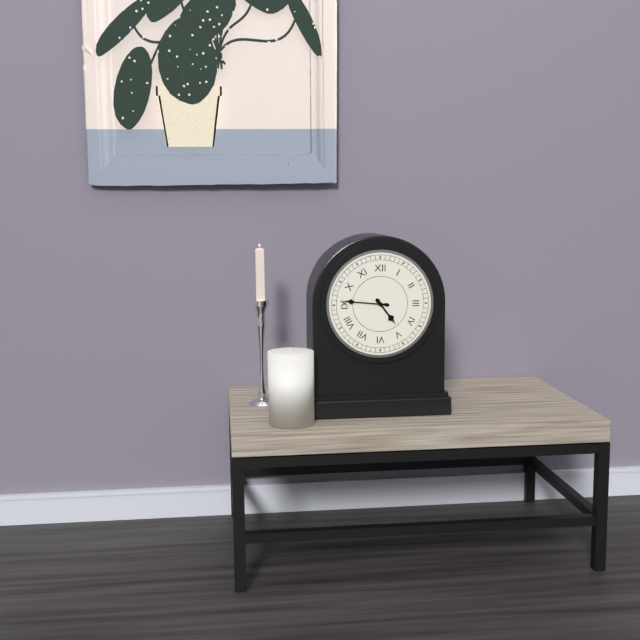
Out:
4.46
